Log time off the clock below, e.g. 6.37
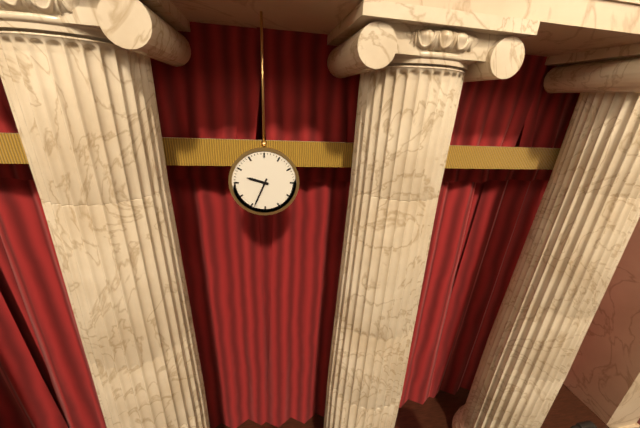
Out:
9.34
